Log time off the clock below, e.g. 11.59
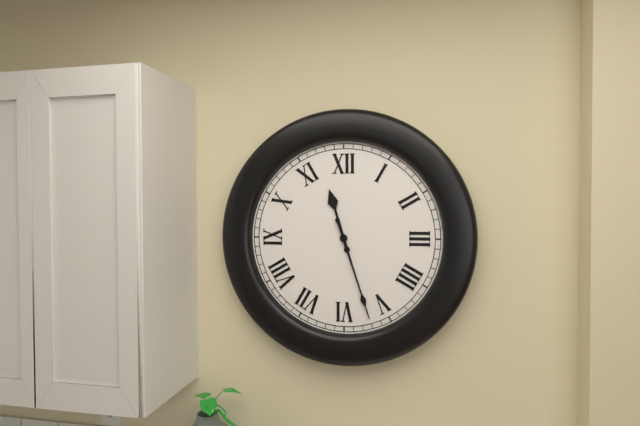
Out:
11.27
